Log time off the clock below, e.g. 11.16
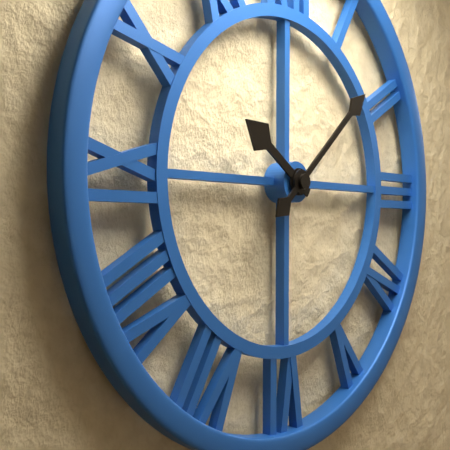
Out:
10.08
